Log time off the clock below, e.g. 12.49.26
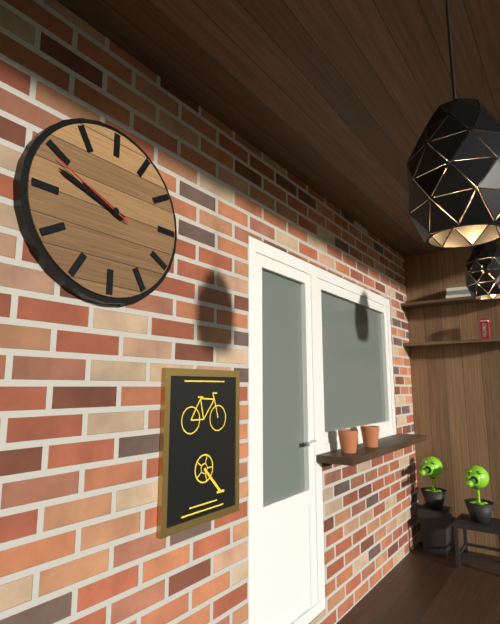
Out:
9.48.49
